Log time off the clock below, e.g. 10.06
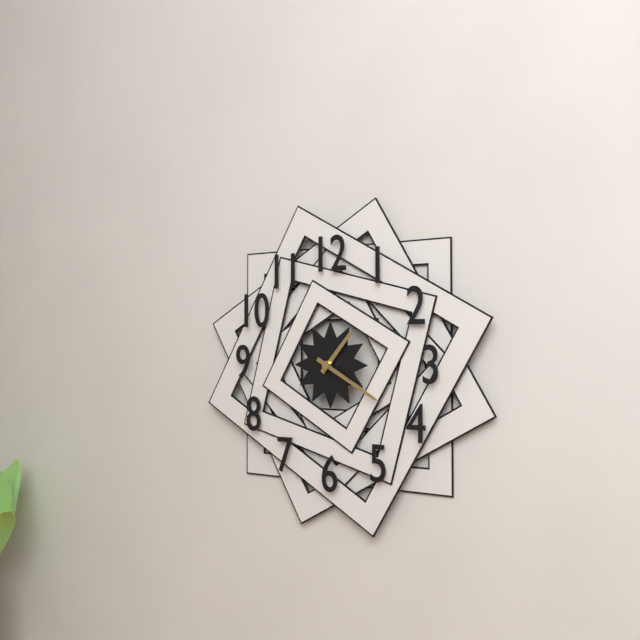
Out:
1.20
